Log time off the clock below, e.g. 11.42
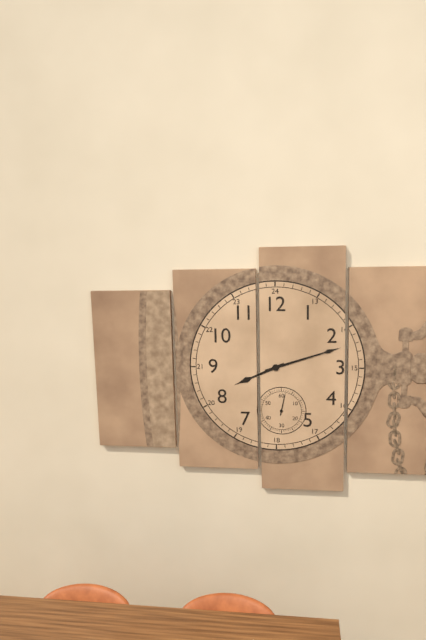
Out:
8.12
